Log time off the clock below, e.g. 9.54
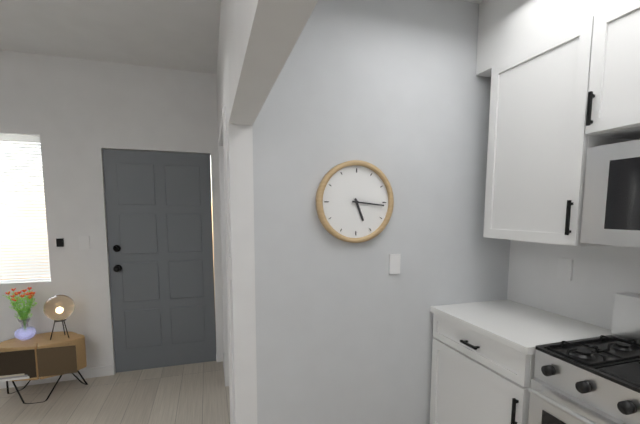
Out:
5.16
